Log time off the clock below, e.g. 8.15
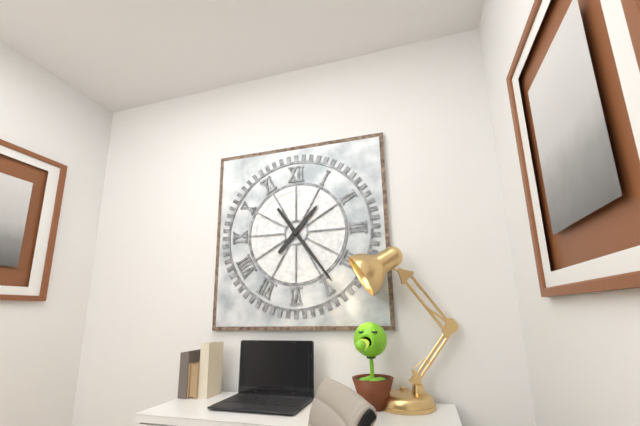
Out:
1.24
